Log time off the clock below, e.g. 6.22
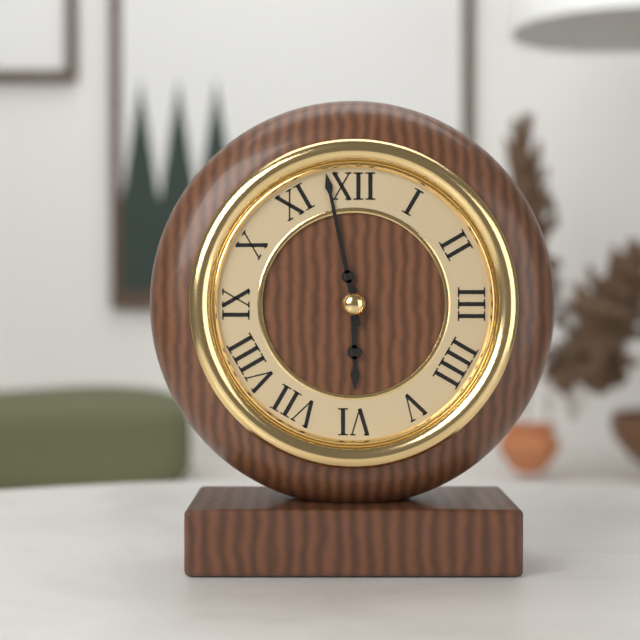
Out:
5.58
